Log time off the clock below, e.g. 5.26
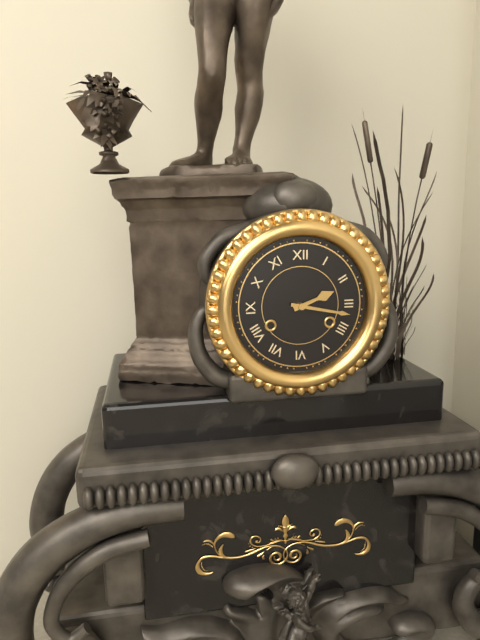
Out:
2.17
